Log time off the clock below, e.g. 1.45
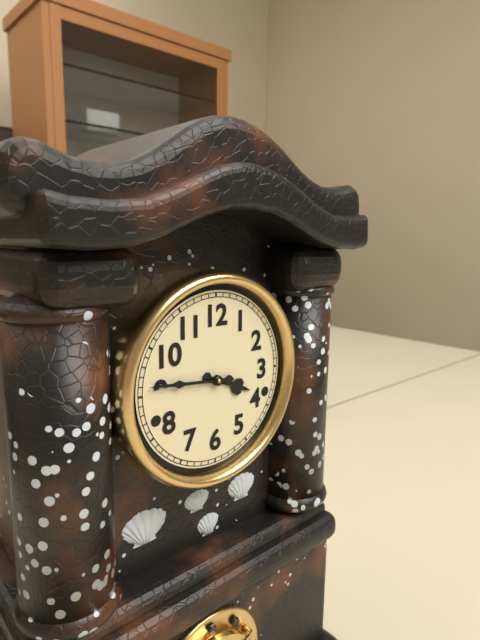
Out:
3.46
